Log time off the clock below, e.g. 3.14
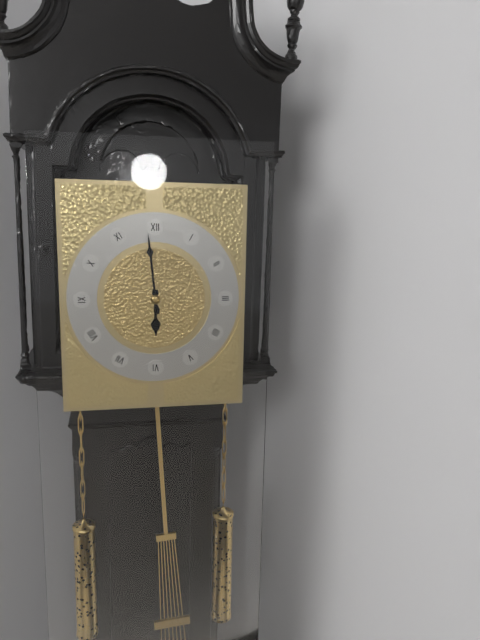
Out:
5.59
